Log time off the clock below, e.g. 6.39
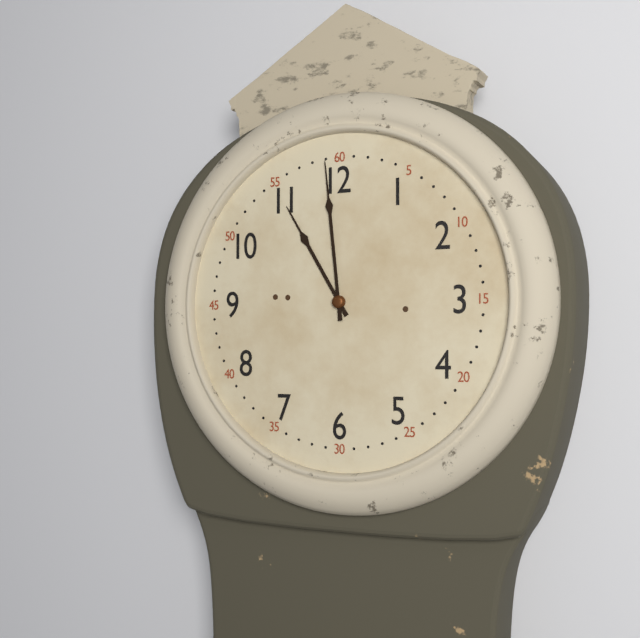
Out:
10.59
